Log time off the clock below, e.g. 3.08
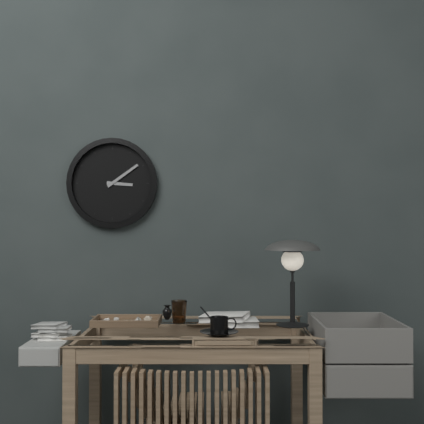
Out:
3.09
